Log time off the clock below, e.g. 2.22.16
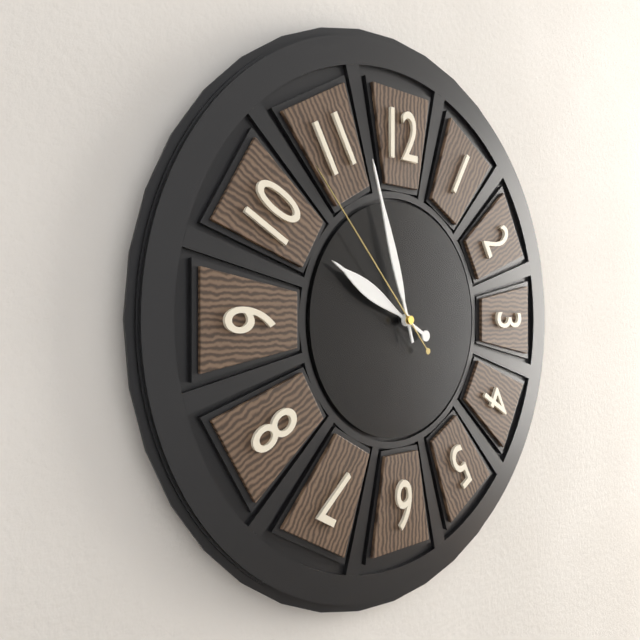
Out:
9.57.53
